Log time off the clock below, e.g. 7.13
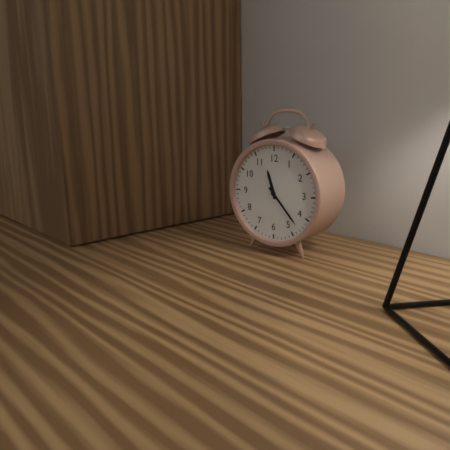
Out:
11.23
